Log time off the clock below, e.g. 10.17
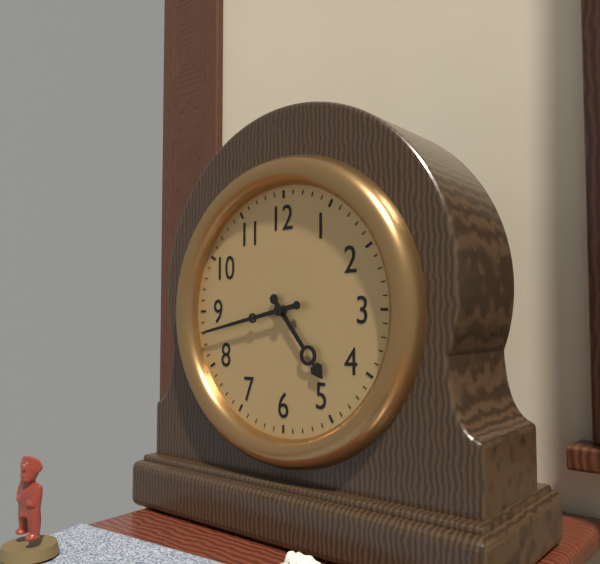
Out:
4.43
